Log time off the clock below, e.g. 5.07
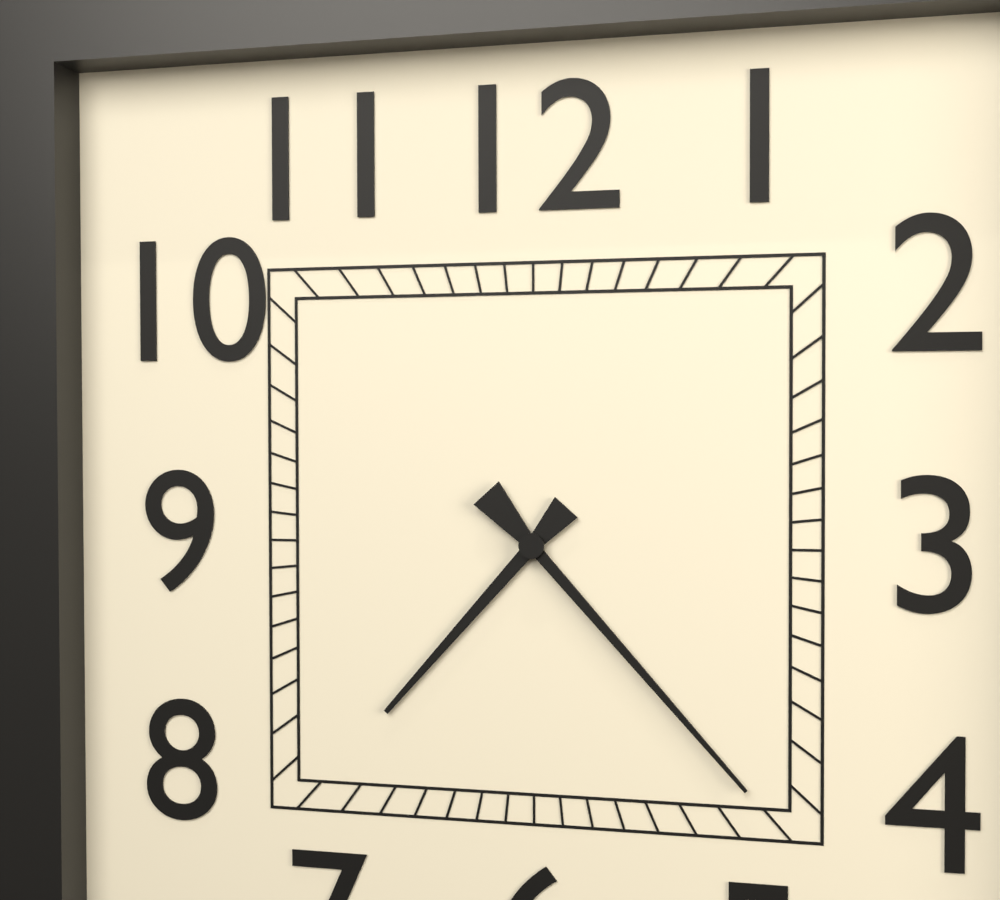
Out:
7.23
